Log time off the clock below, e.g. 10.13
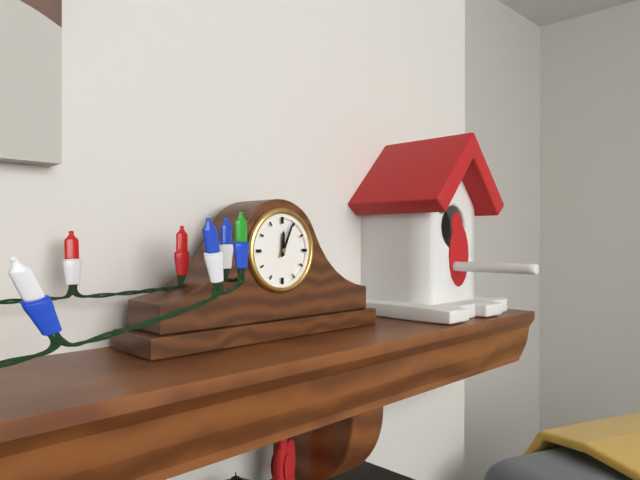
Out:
12.04
